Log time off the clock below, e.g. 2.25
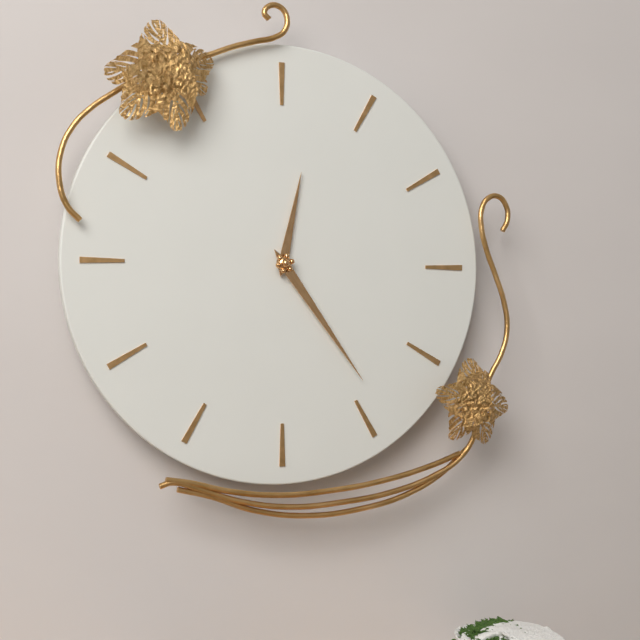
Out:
12.24
